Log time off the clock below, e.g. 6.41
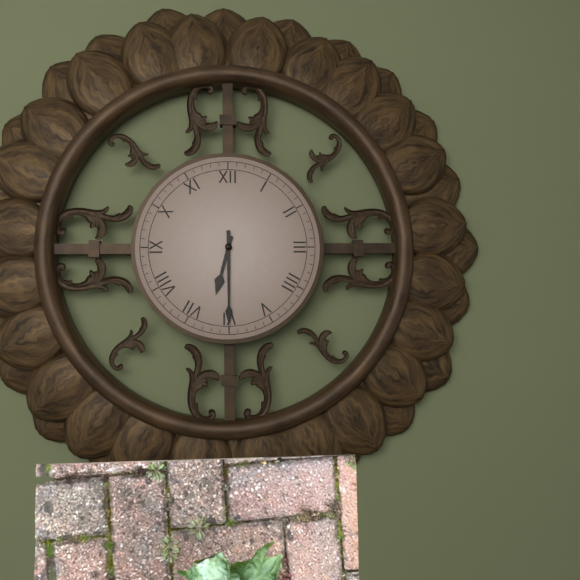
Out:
6.30
